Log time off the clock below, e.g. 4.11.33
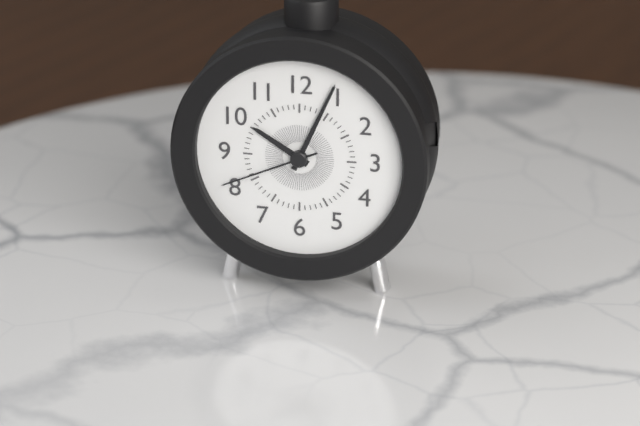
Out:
10.04.41
